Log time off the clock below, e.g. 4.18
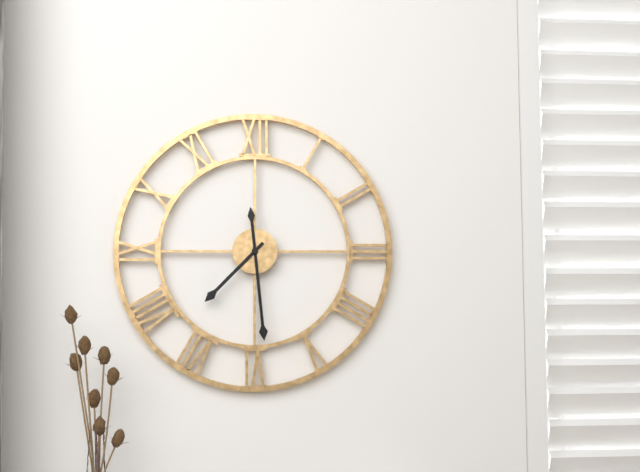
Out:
7.29
